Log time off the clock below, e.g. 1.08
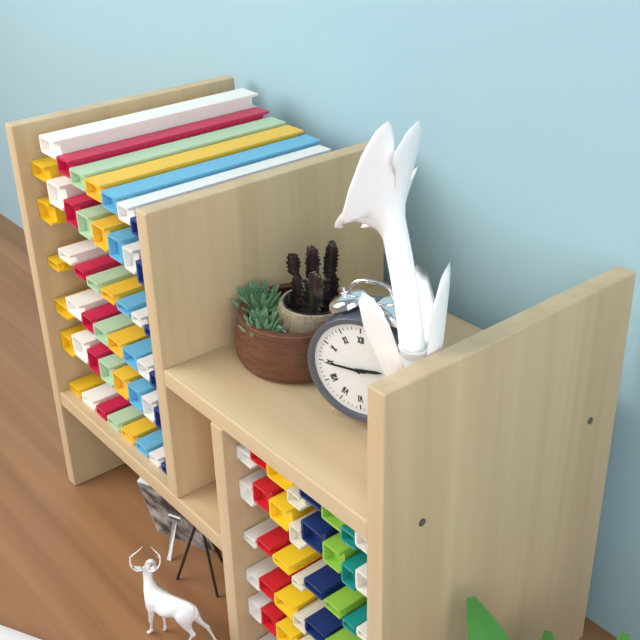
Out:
2.45
